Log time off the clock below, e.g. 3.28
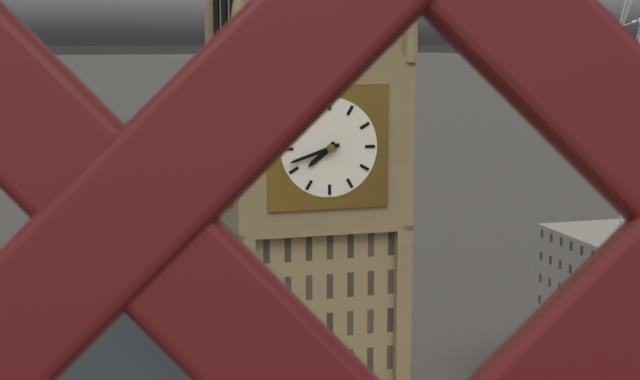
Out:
7.42
